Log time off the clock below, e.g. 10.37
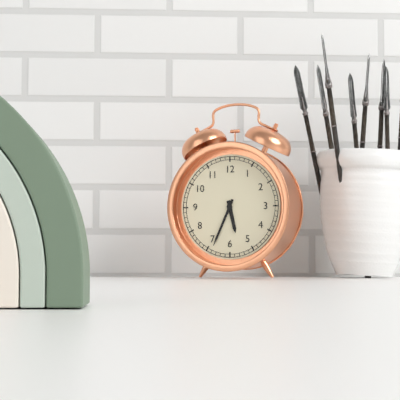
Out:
5.34
